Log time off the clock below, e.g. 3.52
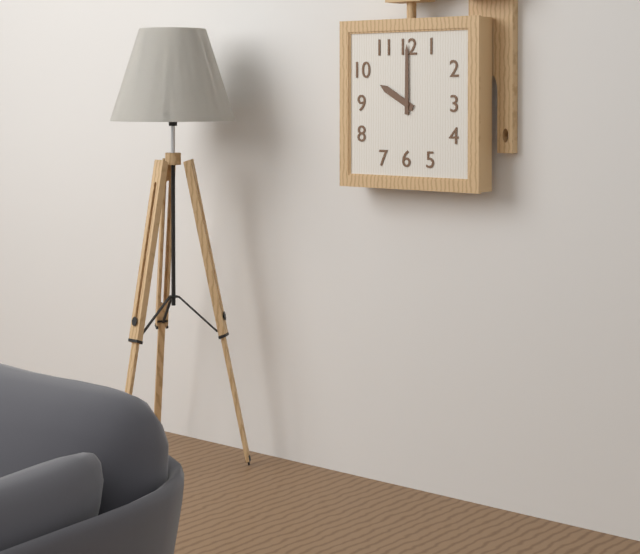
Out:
10.00
